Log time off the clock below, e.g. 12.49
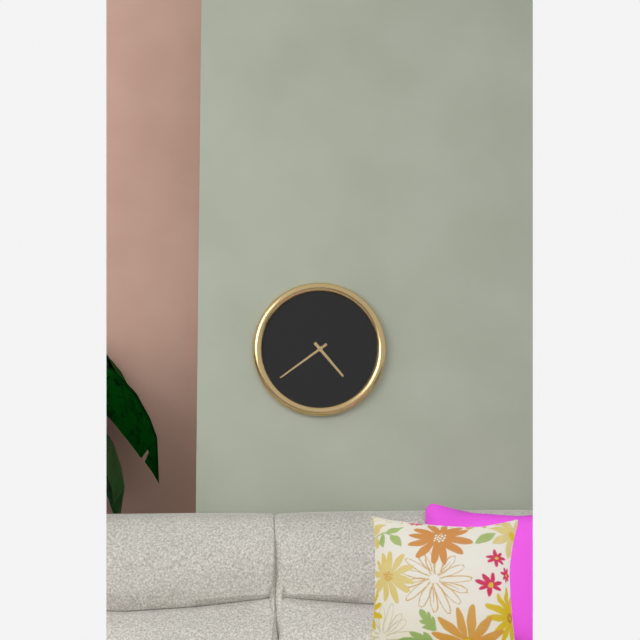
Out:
4.39
